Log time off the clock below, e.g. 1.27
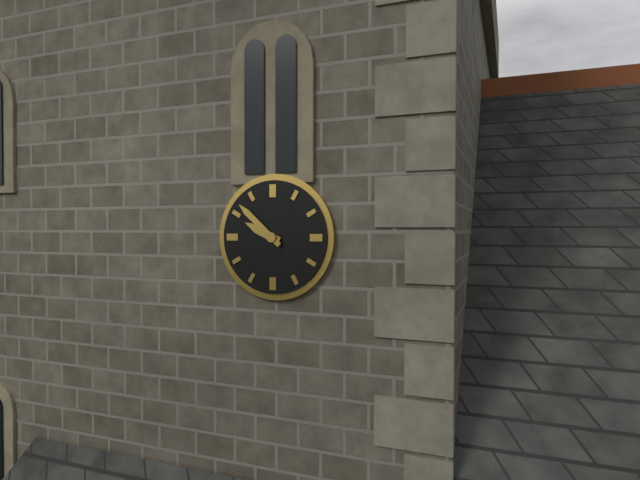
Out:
9.52
